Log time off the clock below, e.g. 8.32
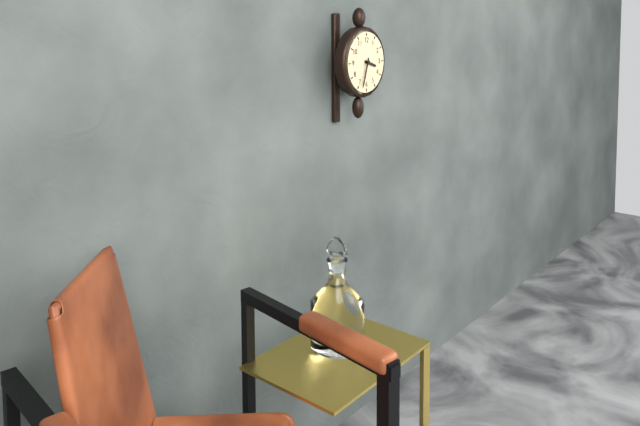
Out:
3.33
